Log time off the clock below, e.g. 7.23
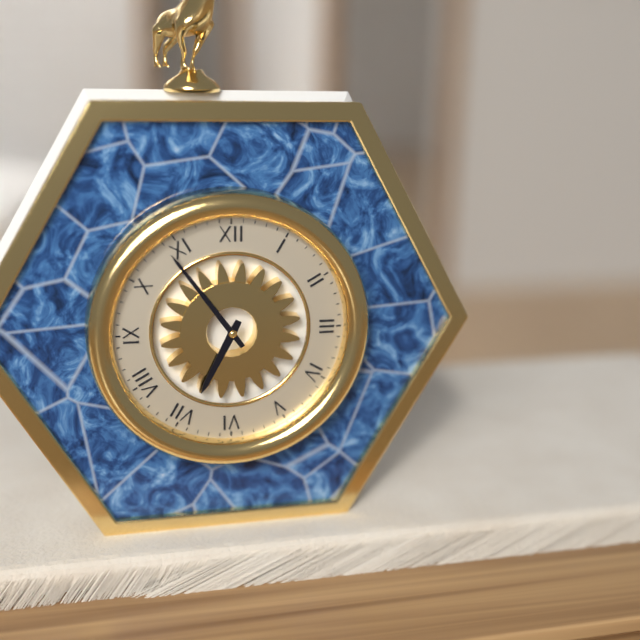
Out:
6.54
